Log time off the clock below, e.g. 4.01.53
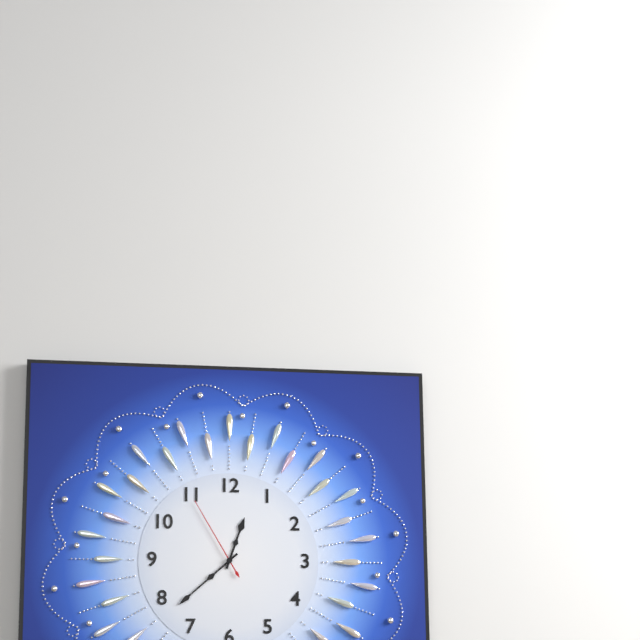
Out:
12.38.55
